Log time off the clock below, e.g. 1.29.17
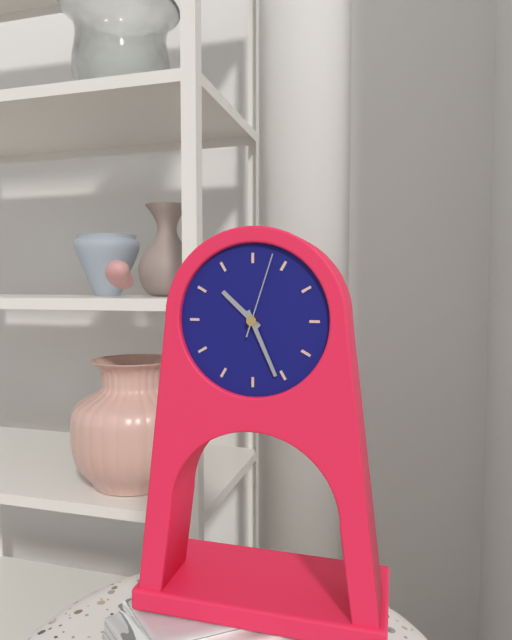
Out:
10.26.03
